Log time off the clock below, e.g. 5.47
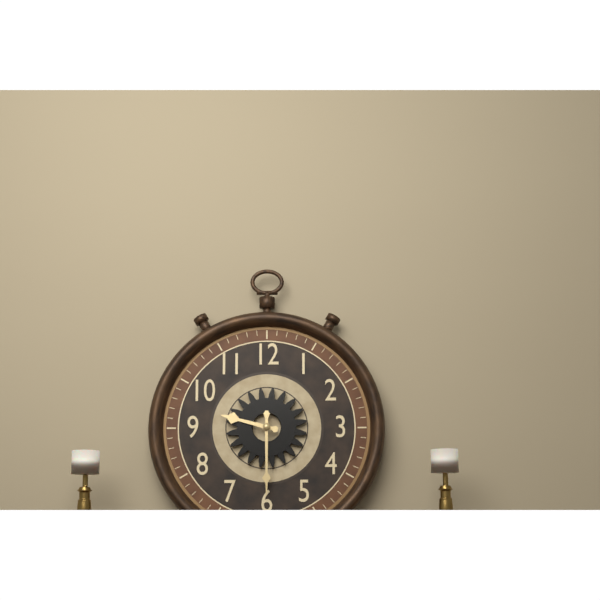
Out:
9.30
